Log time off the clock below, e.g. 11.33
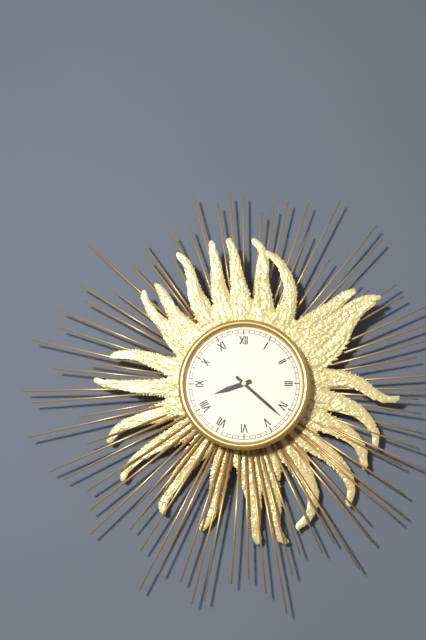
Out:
8.22
